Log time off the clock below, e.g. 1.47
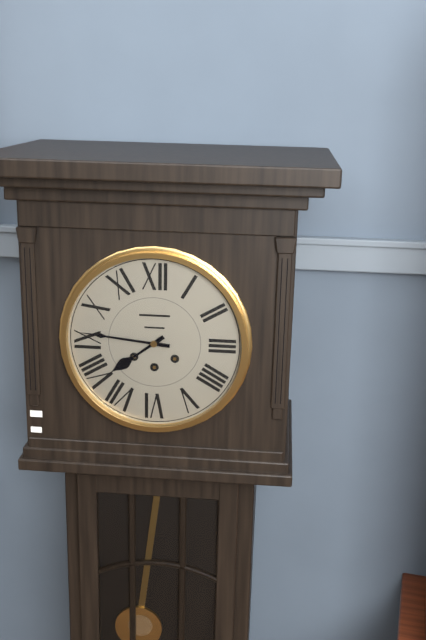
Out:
7.46
